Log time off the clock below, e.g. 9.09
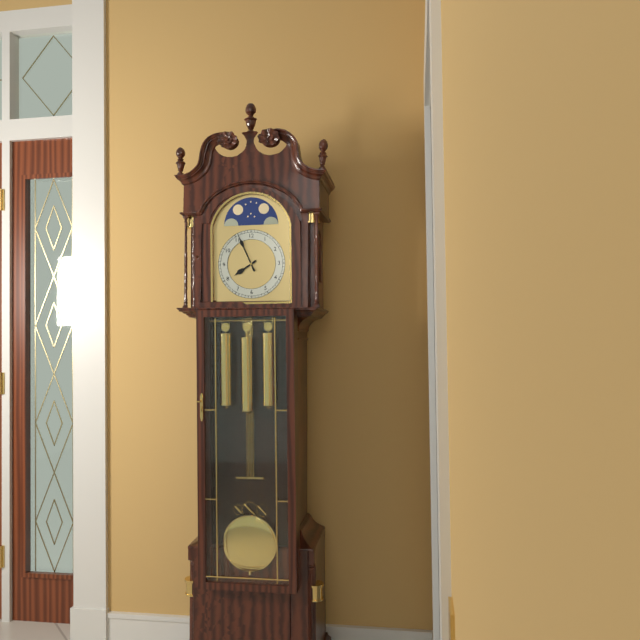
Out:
7.56
